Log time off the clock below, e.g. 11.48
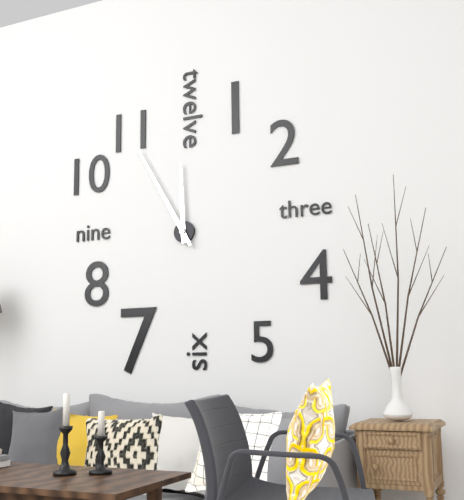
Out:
11.55
